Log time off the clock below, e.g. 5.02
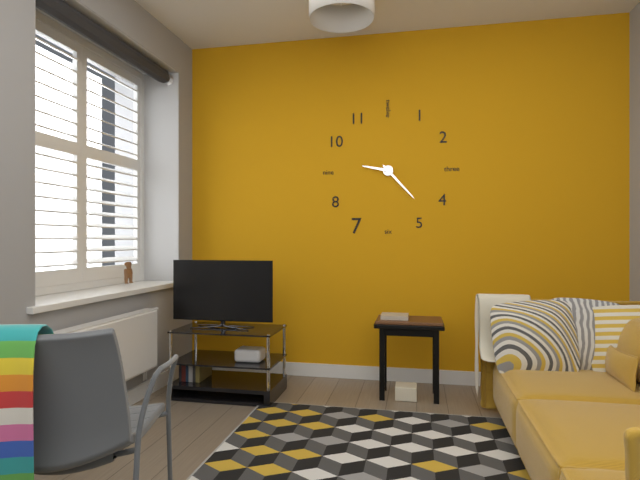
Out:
9.23
